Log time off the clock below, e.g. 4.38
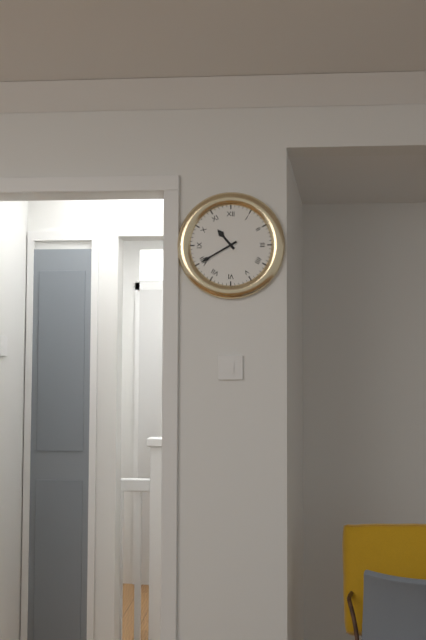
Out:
10.40
